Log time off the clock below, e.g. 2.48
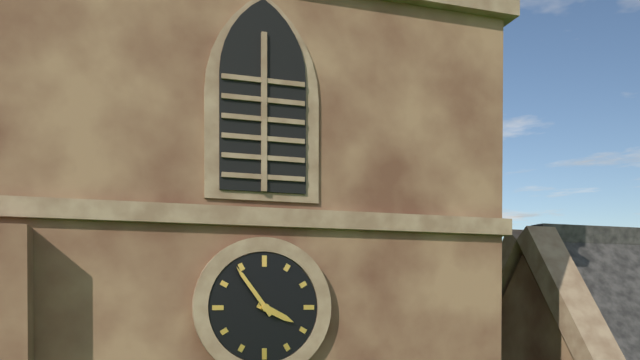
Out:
3.54
